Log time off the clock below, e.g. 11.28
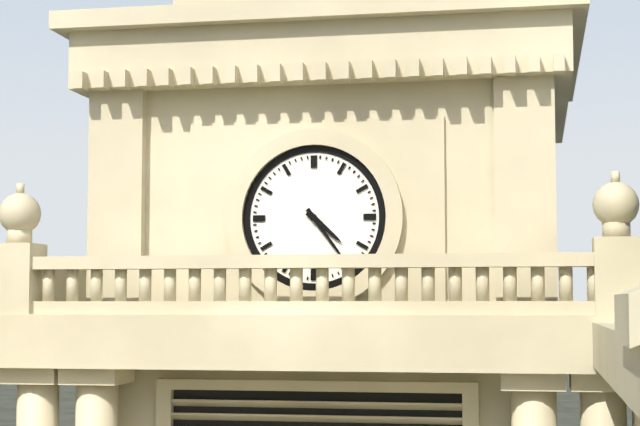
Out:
4.24
